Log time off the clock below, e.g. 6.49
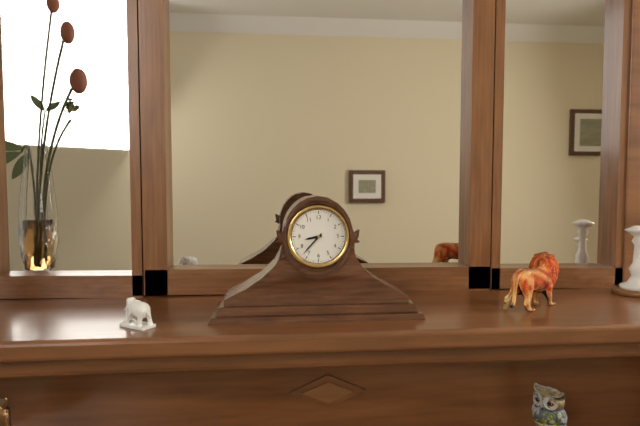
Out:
8.37
